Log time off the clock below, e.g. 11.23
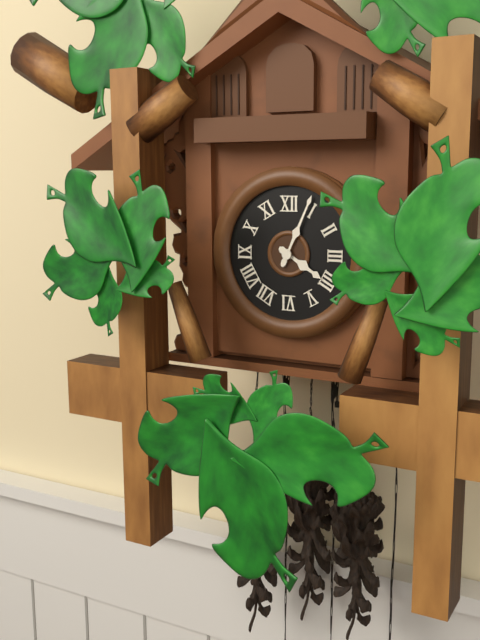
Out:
4.04
